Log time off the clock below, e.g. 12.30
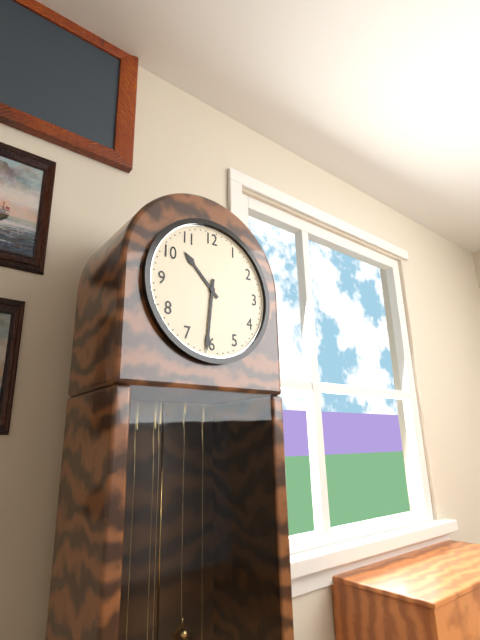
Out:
10.31
